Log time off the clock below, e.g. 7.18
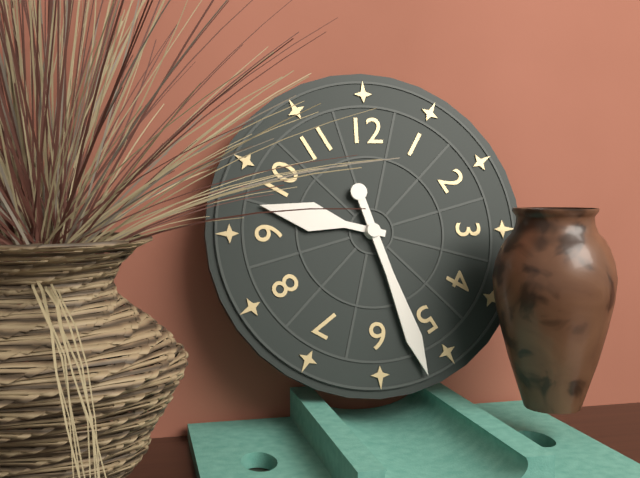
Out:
9.27
